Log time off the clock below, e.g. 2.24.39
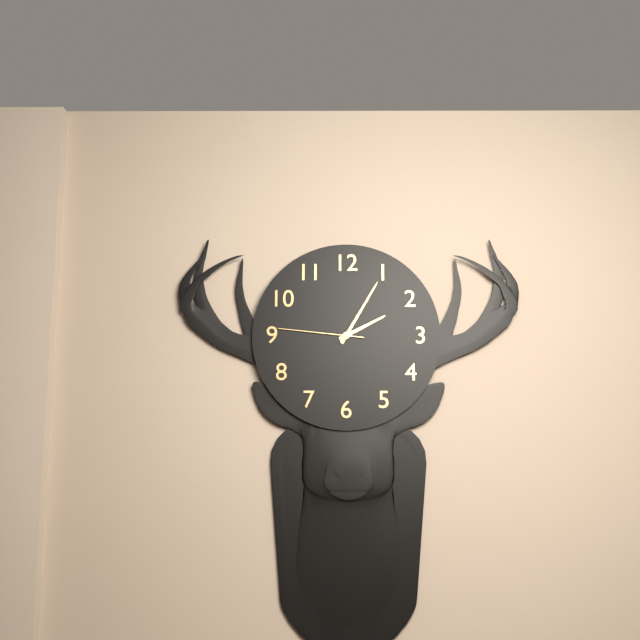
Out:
2.05.46
